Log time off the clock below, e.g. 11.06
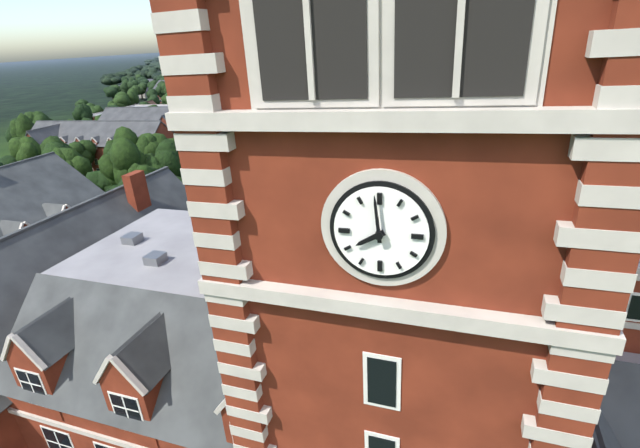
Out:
7.59
